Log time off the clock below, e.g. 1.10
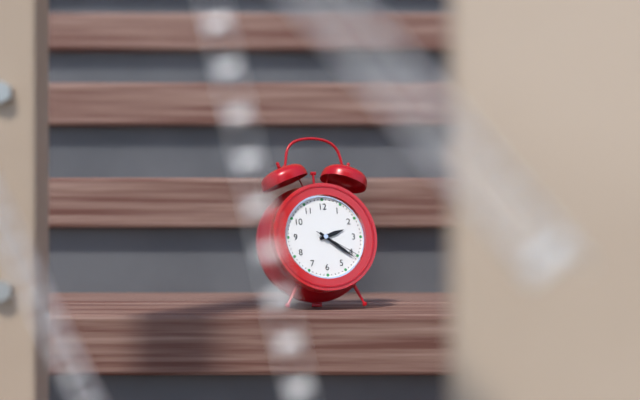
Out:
2.21
